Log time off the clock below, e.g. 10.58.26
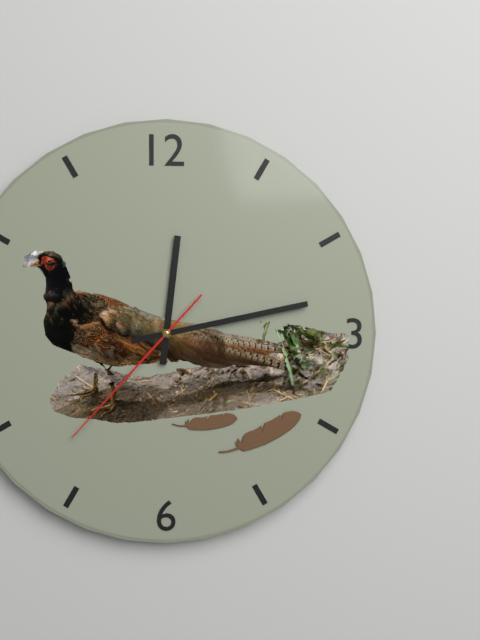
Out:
12.13.37
